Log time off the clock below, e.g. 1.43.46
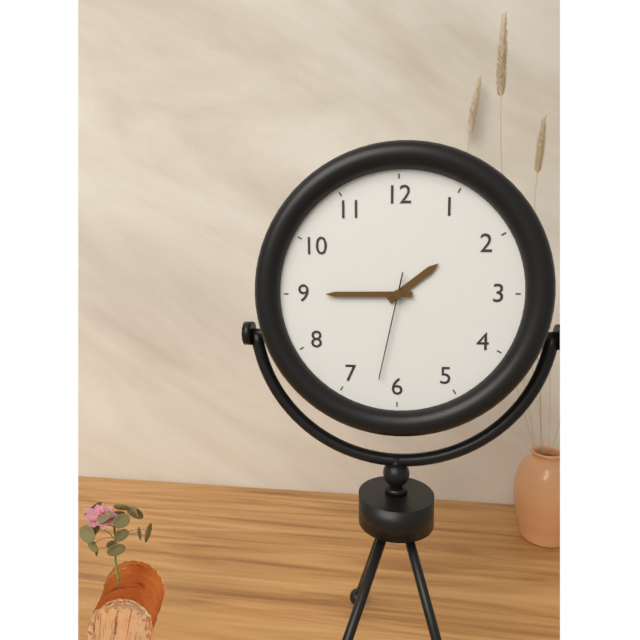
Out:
1.45.32
